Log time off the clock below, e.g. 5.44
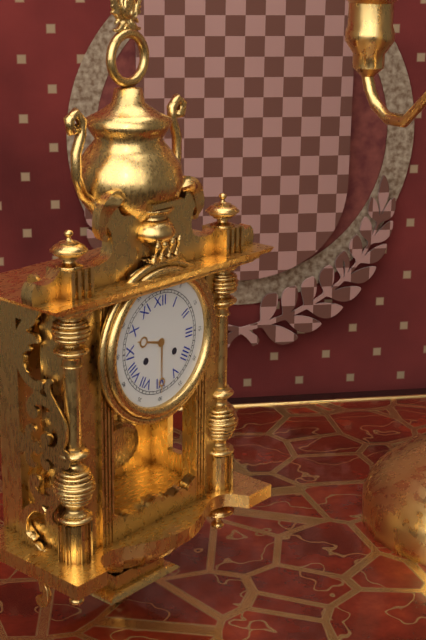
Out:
9.30
